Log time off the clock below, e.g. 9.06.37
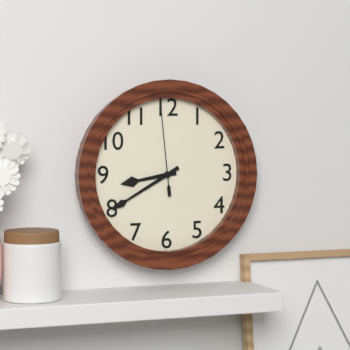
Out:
8.40.59
